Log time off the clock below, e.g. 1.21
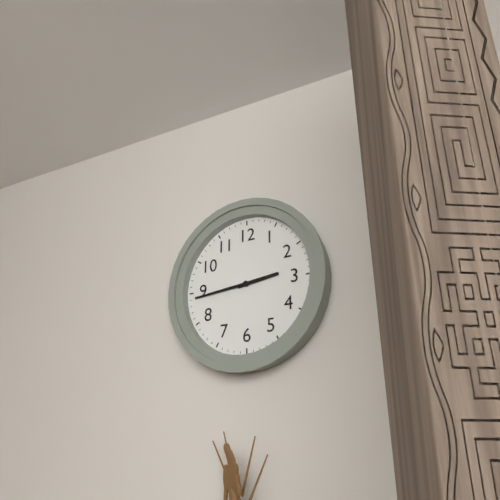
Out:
2.44
